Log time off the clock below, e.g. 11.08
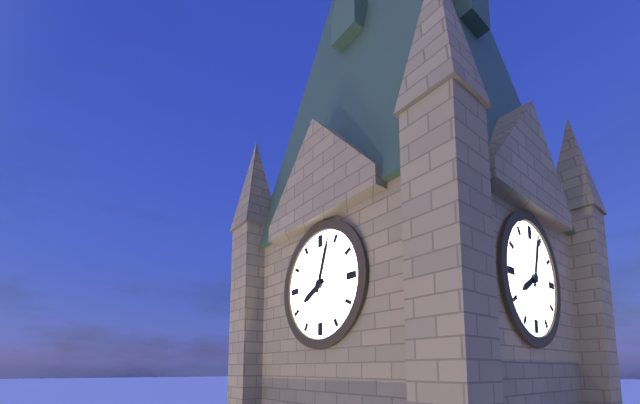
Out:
8.03
